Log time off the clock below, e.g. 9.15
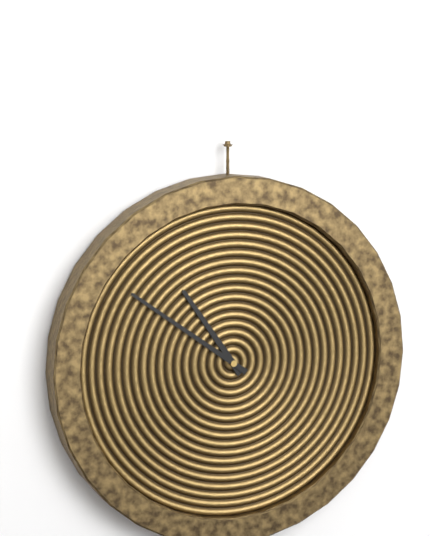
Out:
10.51
